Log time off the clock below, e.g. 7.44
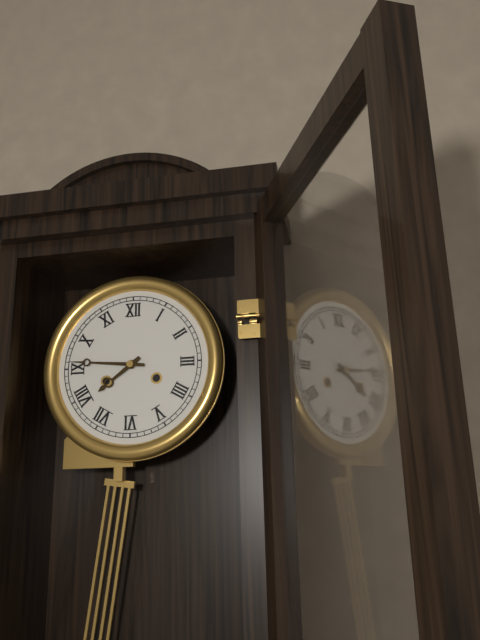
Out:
7.46
